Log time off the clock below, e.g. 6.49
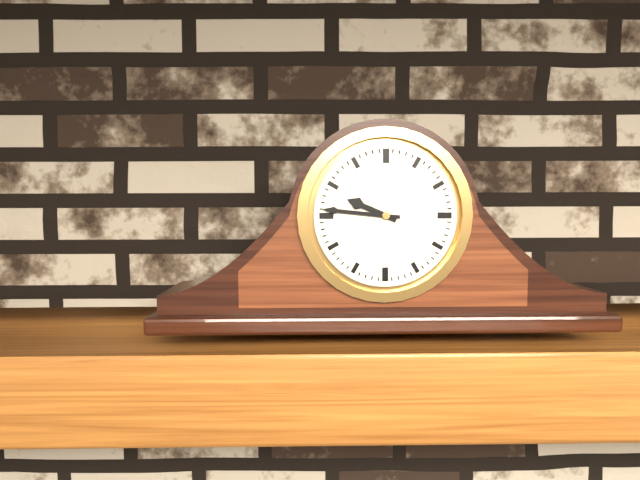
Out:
9.46
